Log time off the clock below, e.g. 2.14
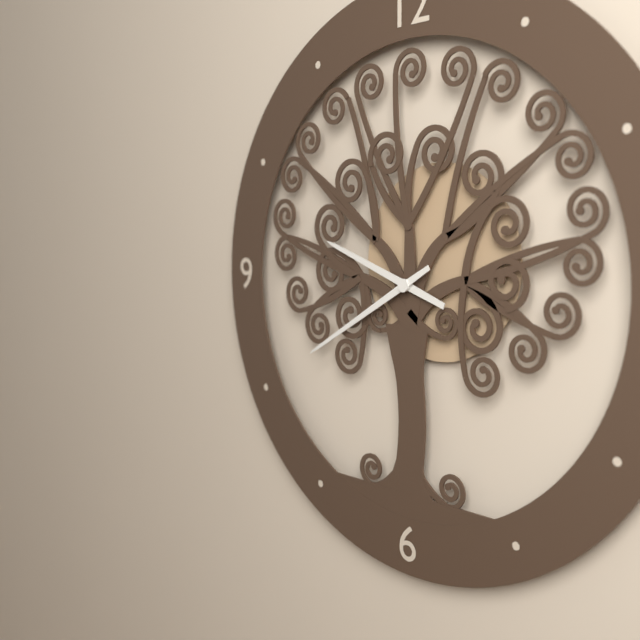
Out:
9.40
